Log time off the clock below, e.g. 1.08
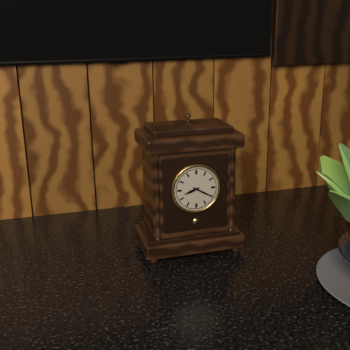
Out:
8.20
